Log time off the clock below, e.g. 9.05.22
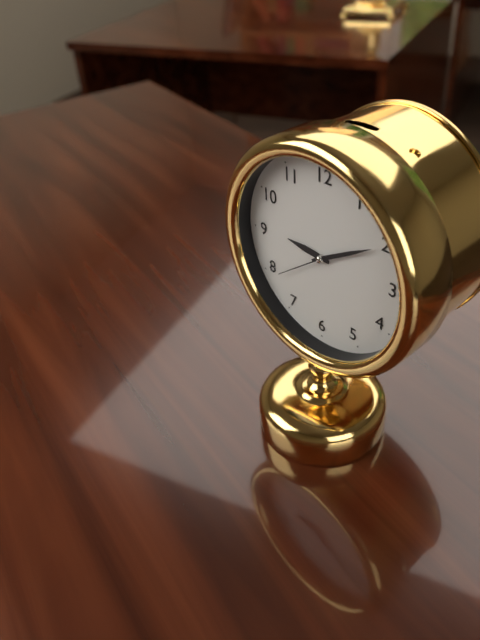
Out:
9.10.39
